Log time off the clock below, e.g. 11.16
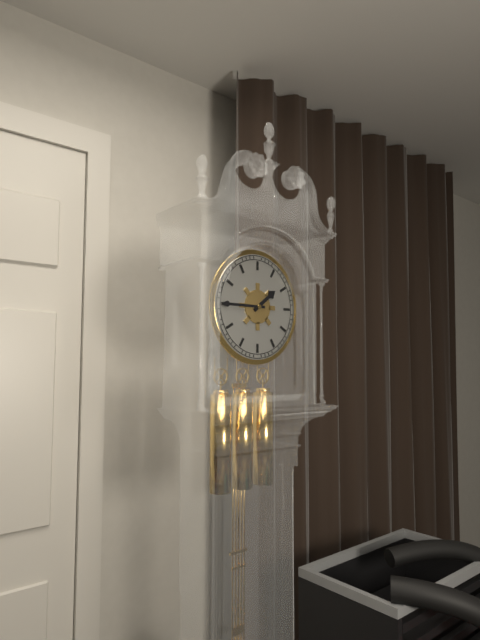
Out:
1.45
